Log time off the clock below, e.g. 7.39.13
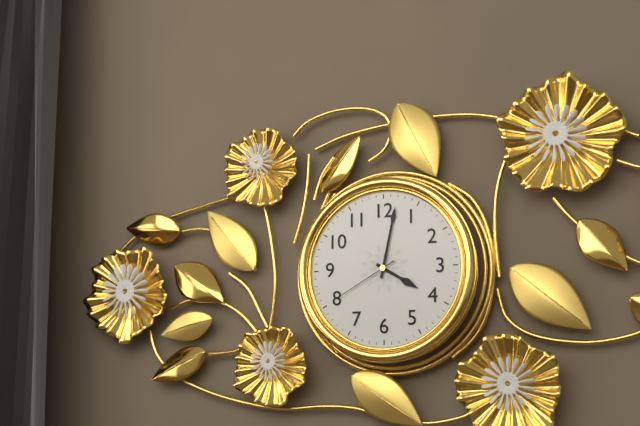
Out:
4.02.40
